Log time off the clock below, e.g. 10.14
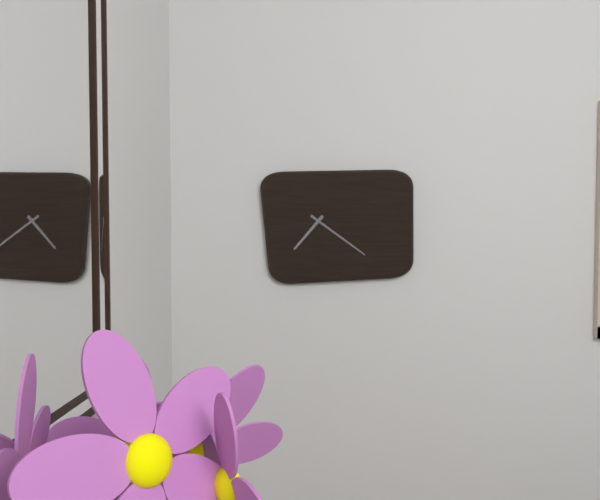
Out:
7.21
